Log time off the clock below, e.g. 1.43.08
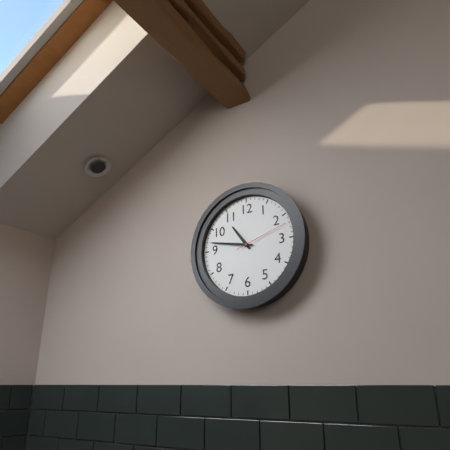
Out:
10.47.12
